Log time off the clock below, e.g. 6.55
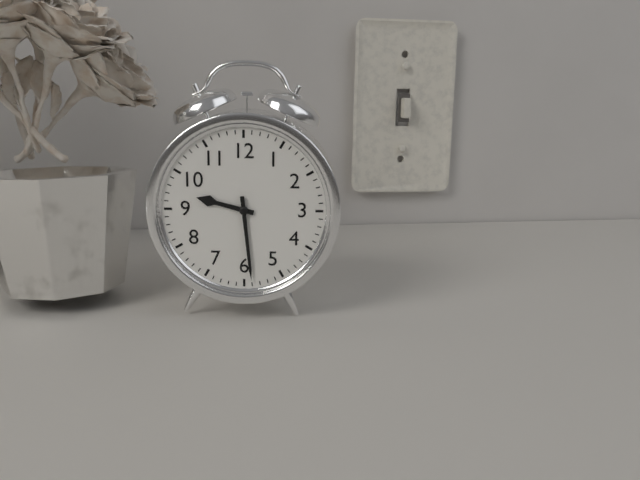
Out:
9.29
